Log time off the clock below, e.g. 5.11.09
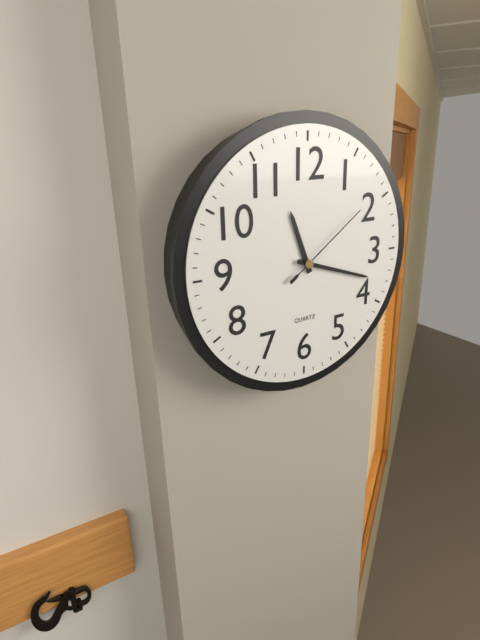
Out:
11.18.09
